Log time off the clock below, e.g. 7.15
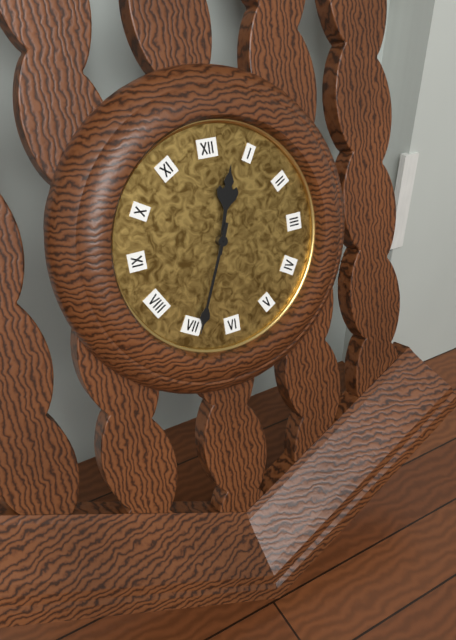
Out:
12.34
